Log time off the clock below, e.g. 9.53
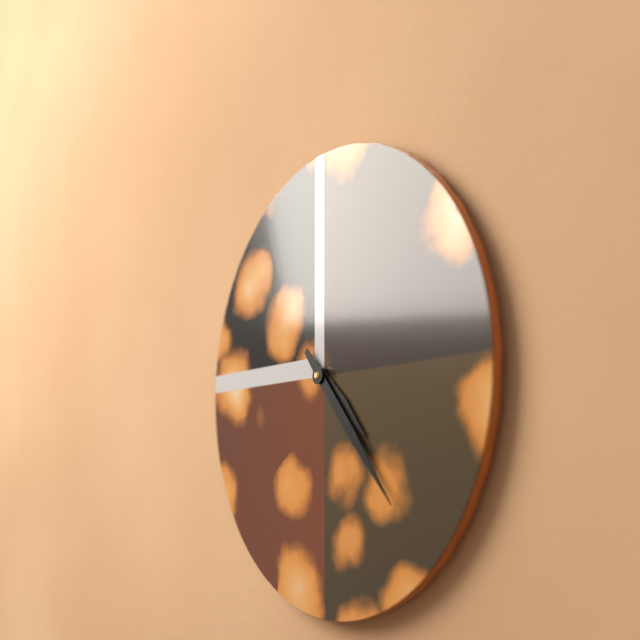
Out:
4.23
